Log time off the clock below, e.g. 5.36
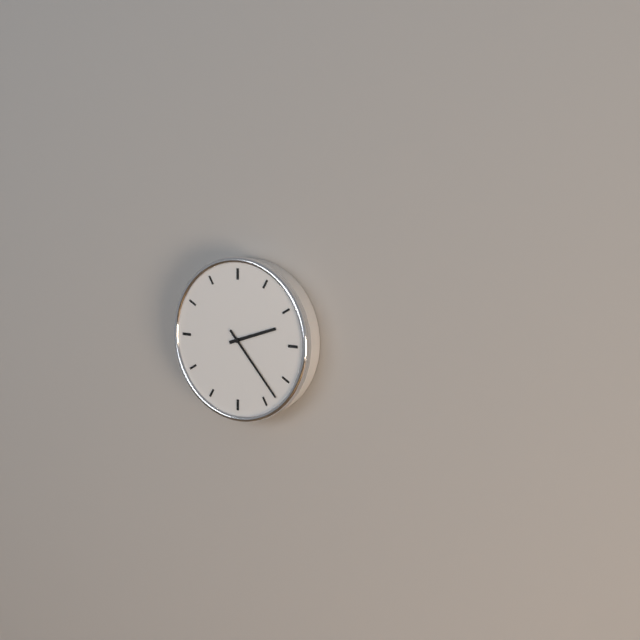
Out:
2.23
